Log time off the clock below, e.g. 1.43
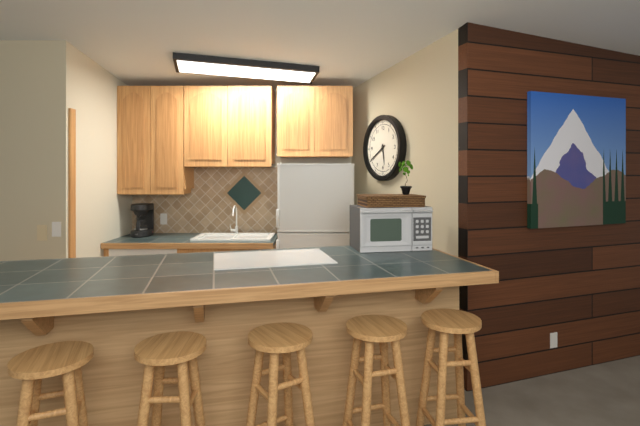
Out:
5.40
